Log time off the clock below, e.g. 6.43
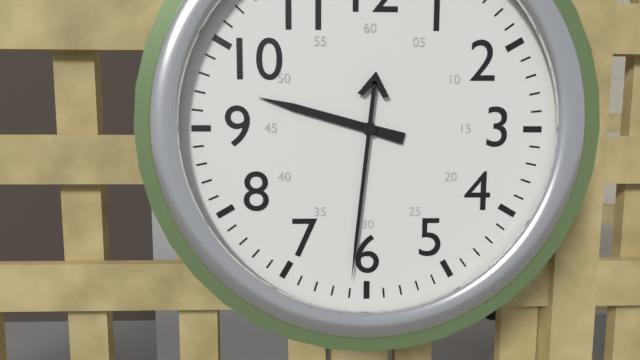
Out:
9.31
